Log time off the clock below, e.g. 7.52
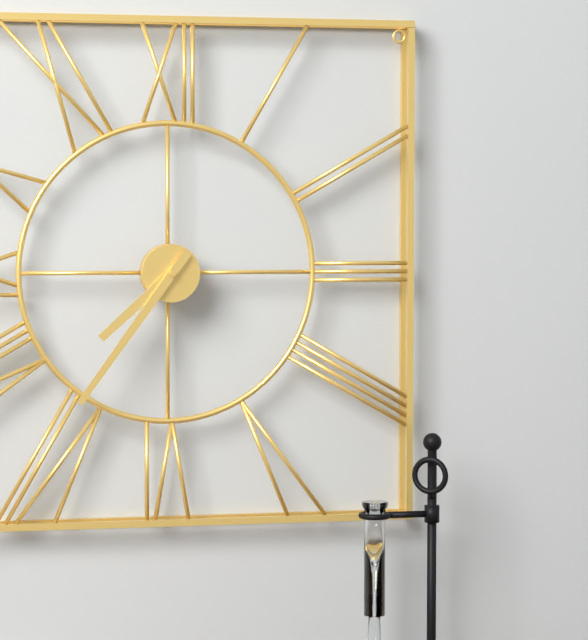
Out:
7.36
